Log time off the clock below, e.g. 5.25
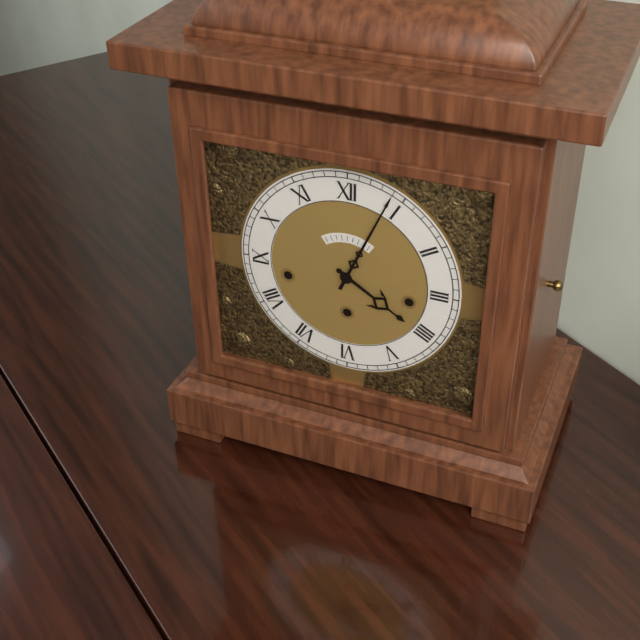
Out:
4.04
